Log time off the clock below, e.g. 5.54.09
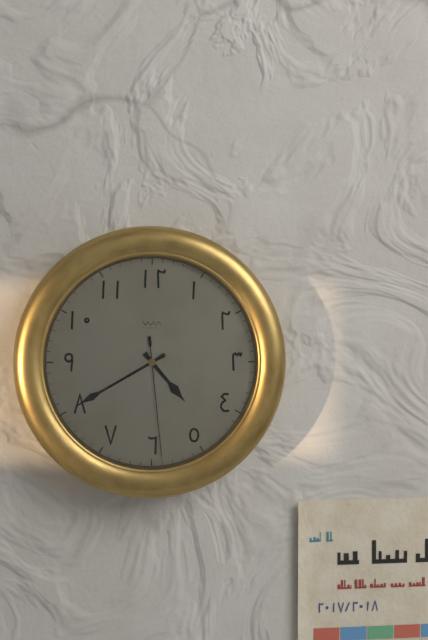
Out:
4.40.29
